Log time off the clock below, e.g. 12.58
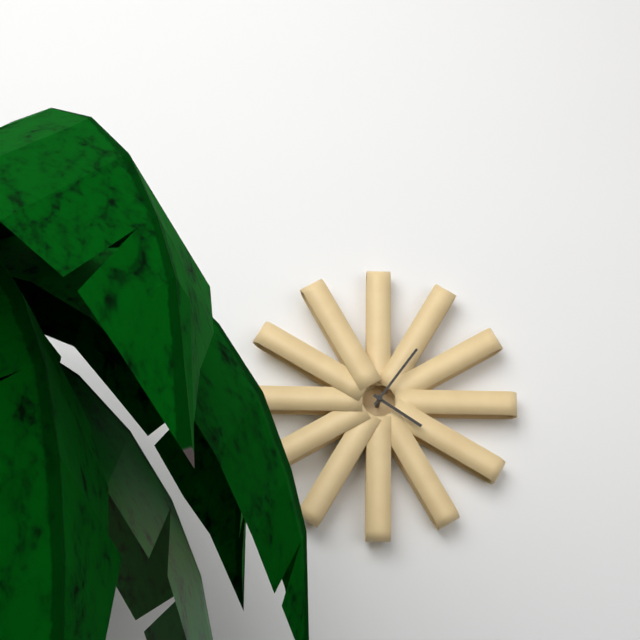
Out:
4.06
